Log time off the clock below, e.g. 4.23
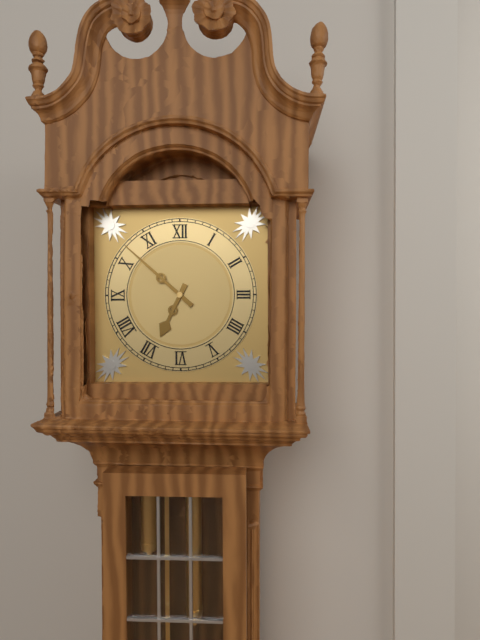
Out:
6.52
